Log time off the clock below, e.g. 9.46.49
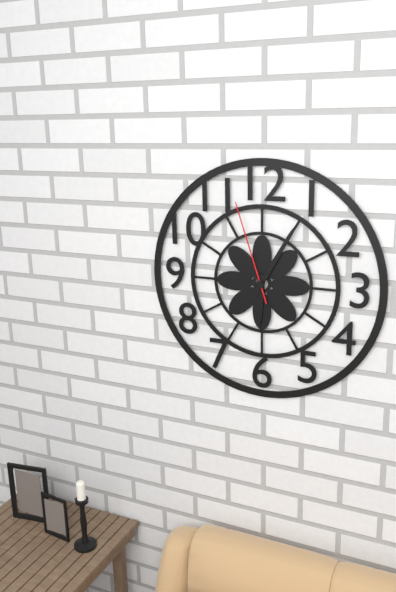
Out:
6.05.57
